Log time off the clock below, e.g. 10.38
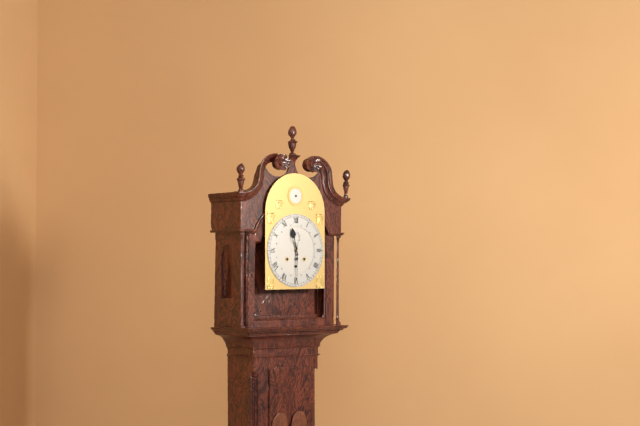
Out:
11.30
